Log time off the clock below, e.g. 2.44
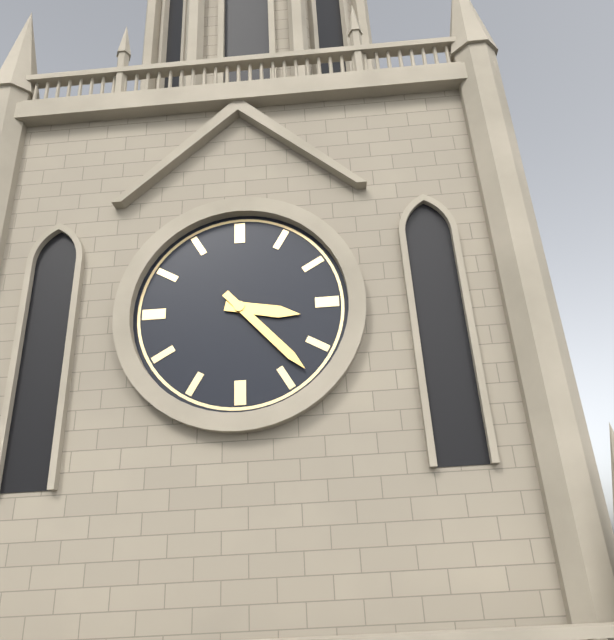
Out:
3.23
